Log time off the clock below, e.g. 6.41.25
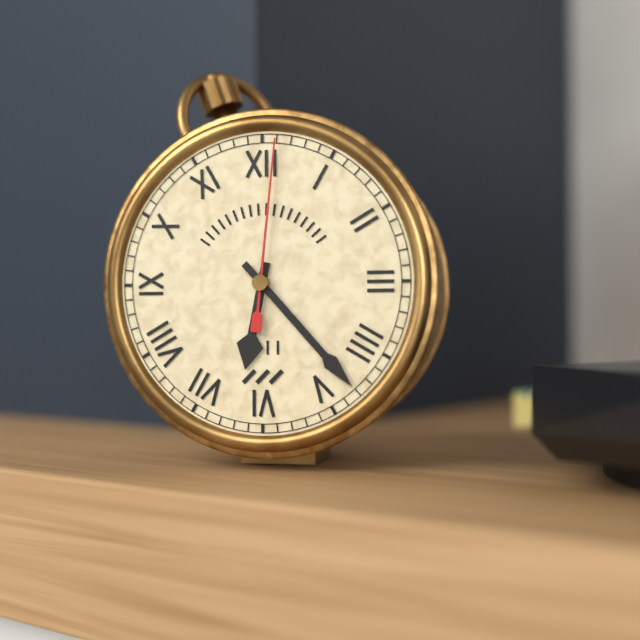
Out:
6.23.01
